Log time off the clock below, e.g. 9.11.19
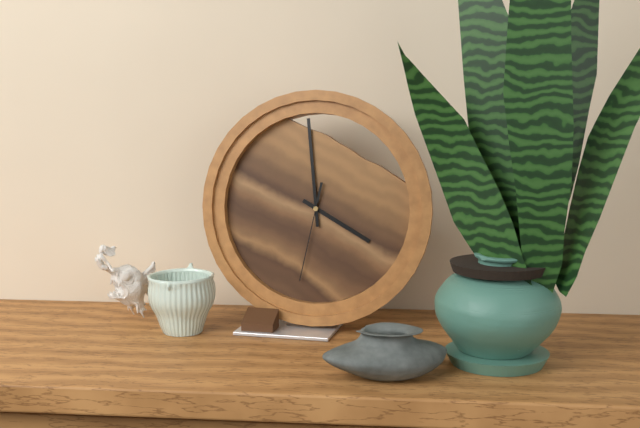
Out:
3.59.32
